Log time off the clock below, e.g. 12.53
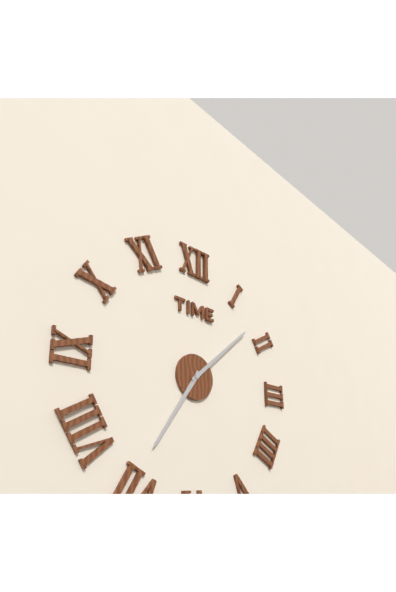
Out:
7.08
